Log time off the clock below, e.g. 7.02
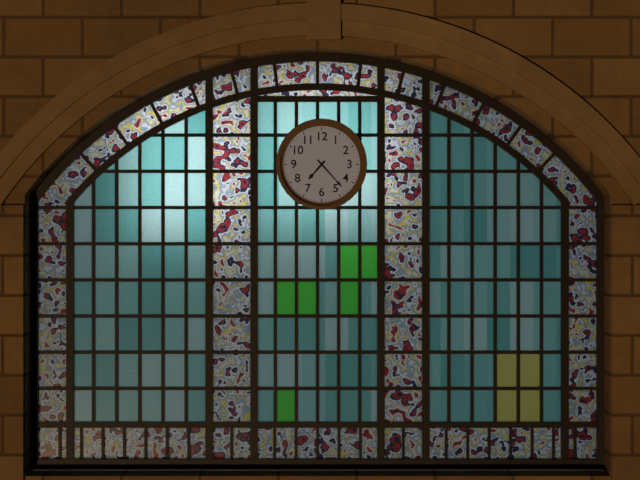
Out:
7.23
